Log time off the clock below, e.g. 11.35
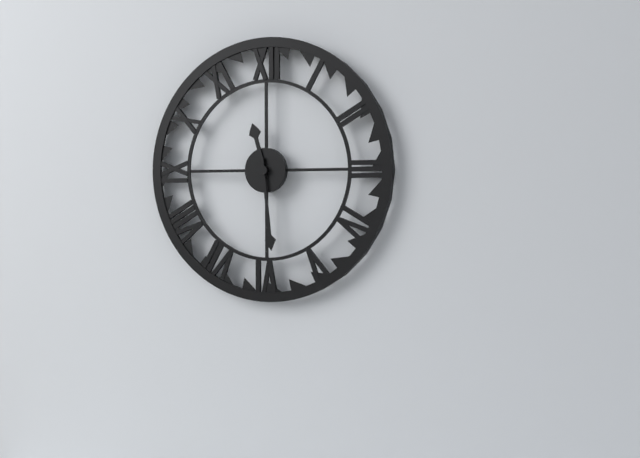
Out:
11.29
